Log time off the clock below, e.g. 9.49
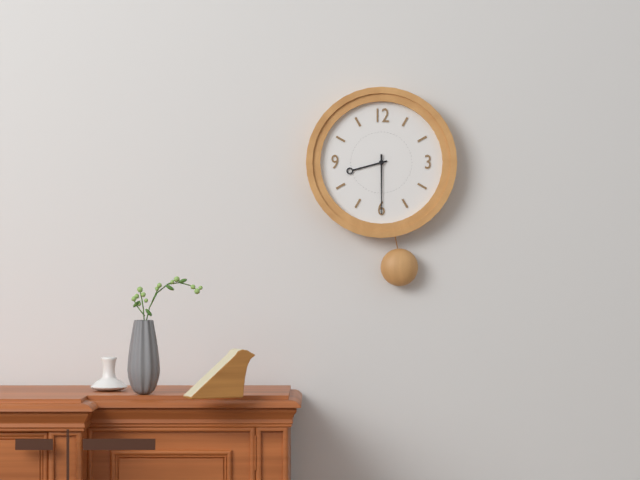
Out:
8.30
